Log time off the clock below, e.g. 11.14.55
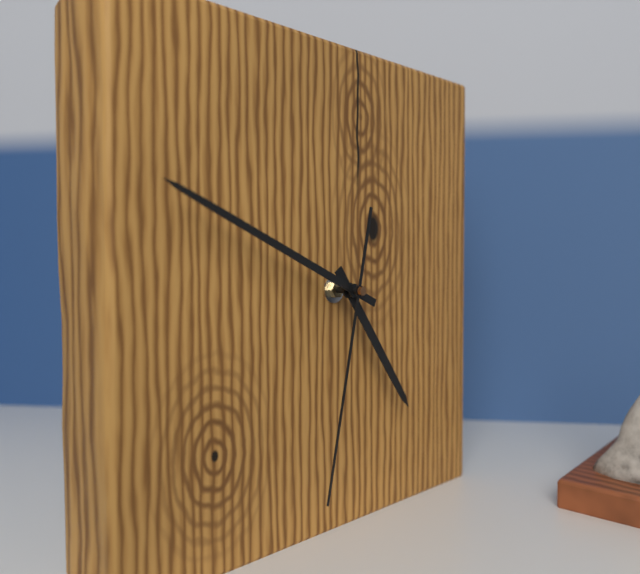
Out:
4.49.32
